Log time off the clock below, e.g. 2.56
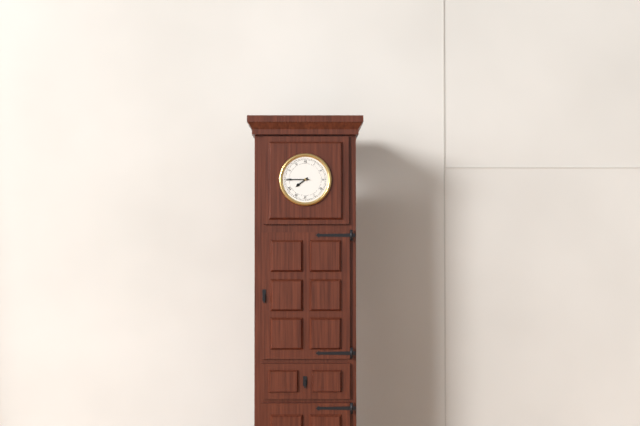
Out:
7.45
